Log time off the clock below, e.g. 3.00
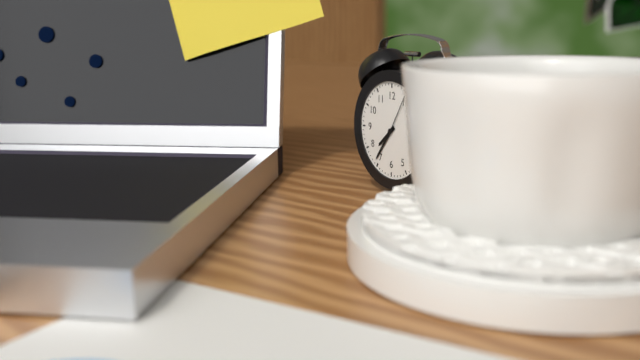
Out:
7.36
